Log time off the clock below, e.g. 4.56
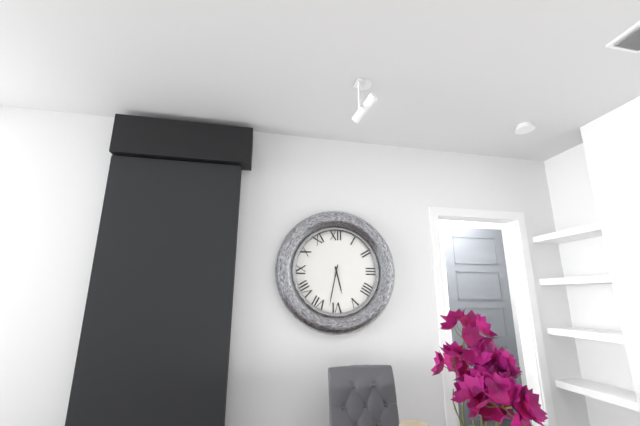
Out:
5.32
